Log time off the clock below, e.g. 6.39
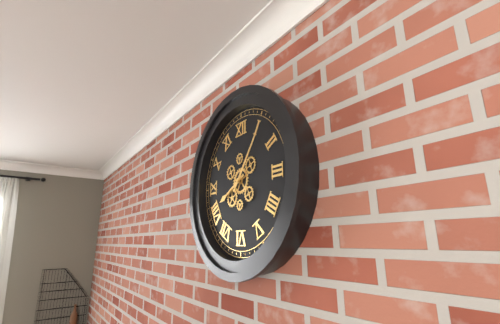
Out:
8.06
